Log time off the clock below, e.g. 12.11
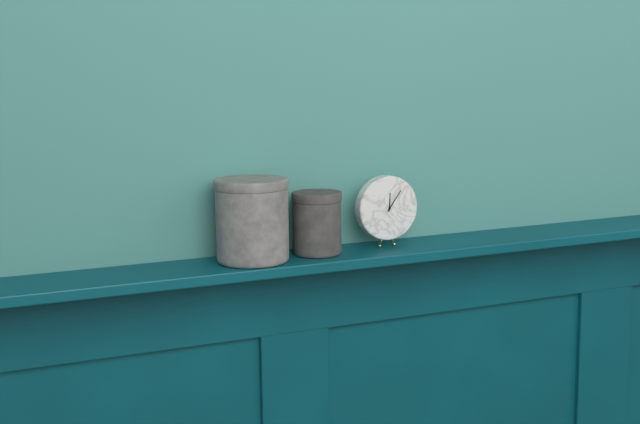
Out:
12.06
